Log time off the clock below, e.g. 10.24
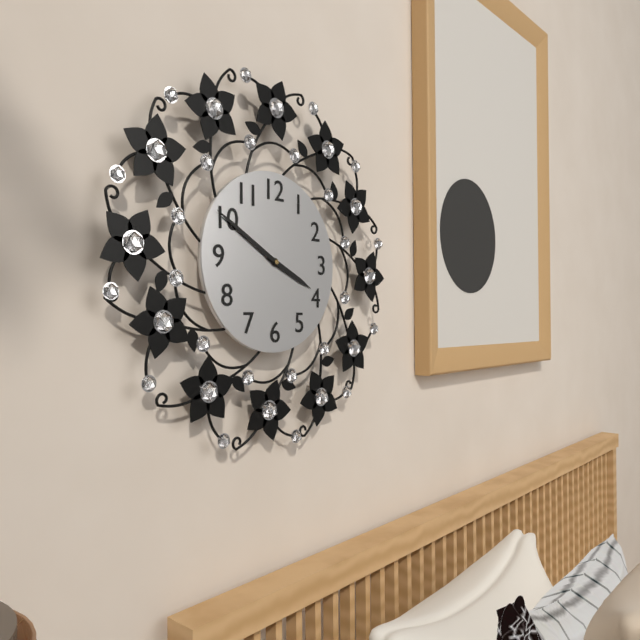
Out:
3.50
